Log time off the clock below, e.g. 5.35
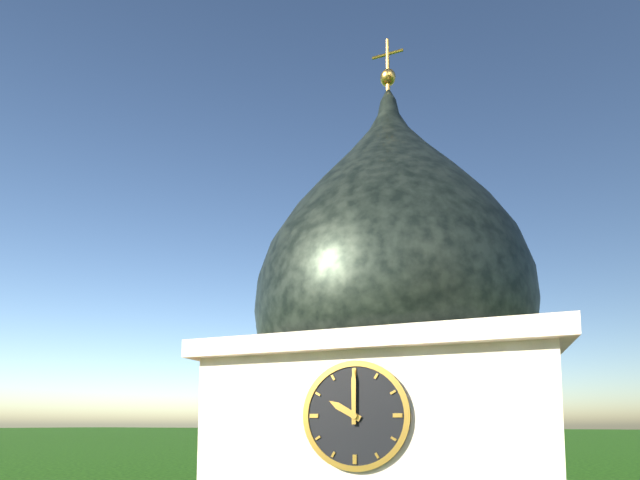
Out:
10.00
